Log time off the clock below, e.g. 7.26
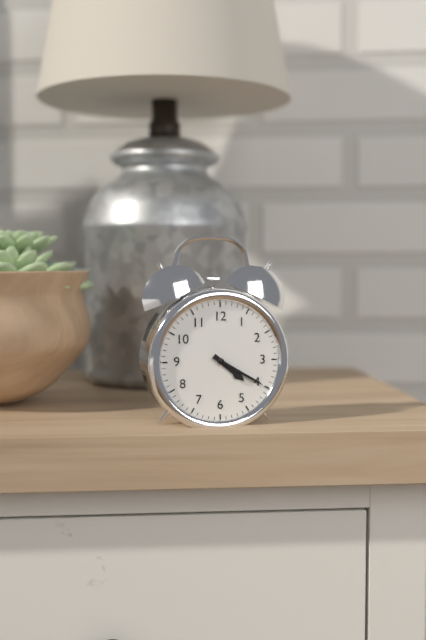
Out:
4.20
